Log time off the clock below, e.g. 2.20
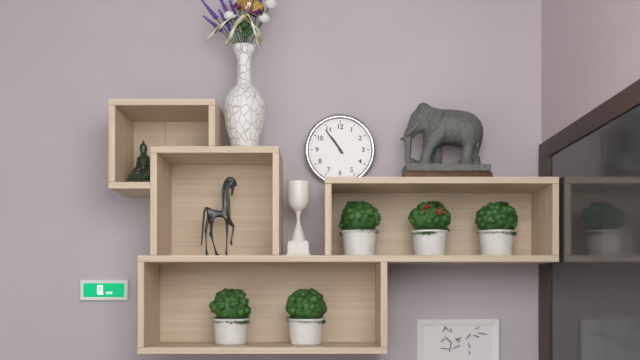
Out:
10.54
